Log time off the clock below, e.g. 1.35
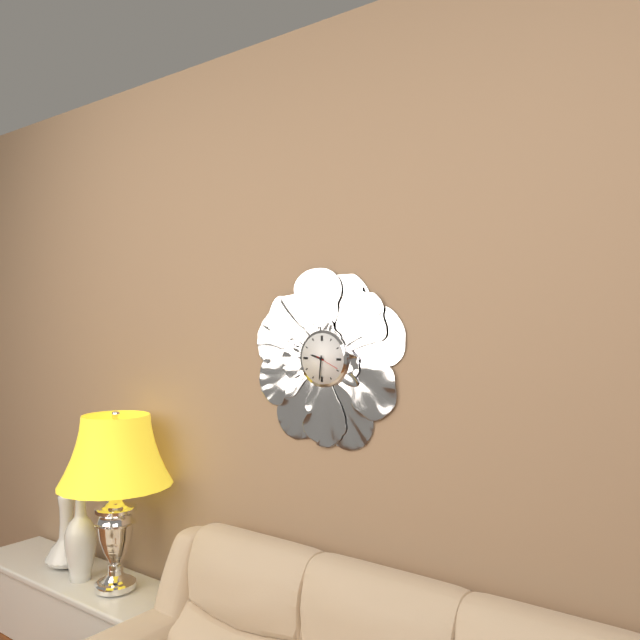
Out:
9.31
